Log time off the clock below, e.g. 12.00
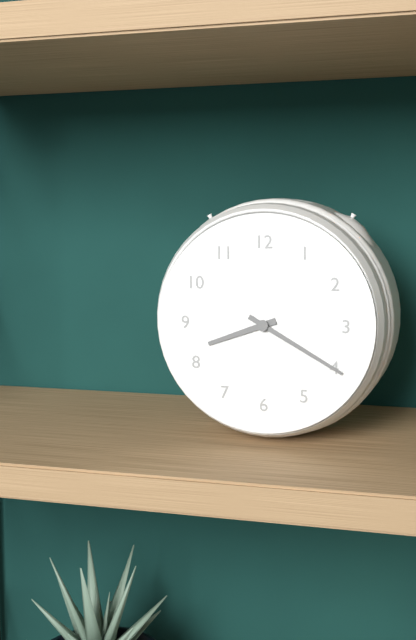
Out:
8.20
